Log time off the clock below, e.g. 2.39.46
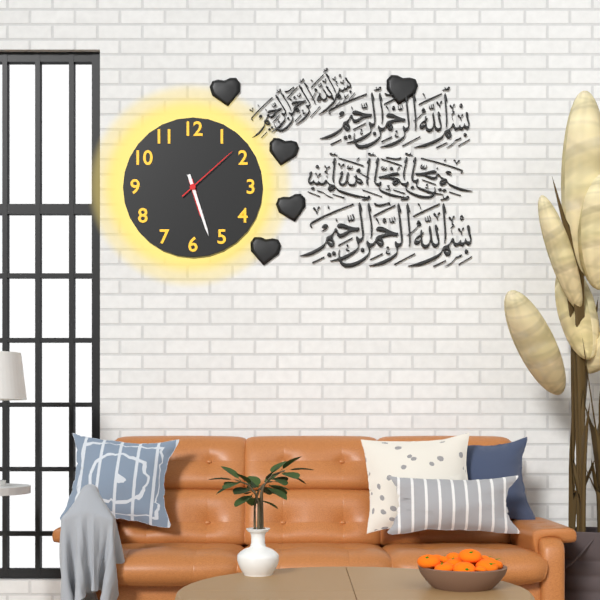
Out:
5.27.08
